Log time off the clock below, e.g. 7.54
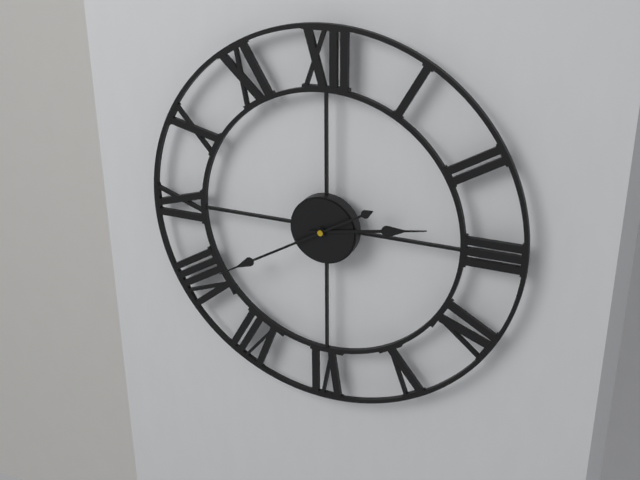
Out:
2.40
